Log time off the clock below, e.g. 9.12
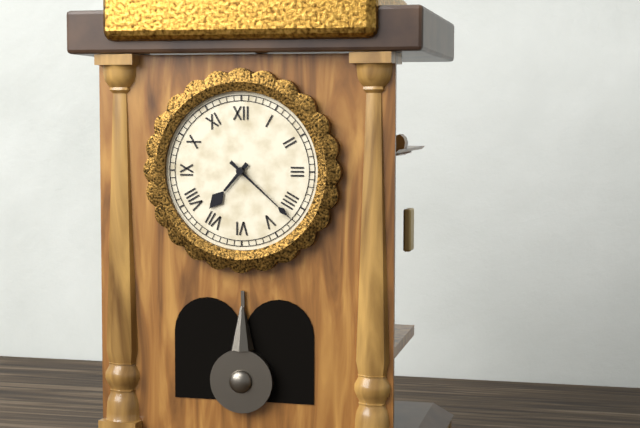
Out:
7.22
